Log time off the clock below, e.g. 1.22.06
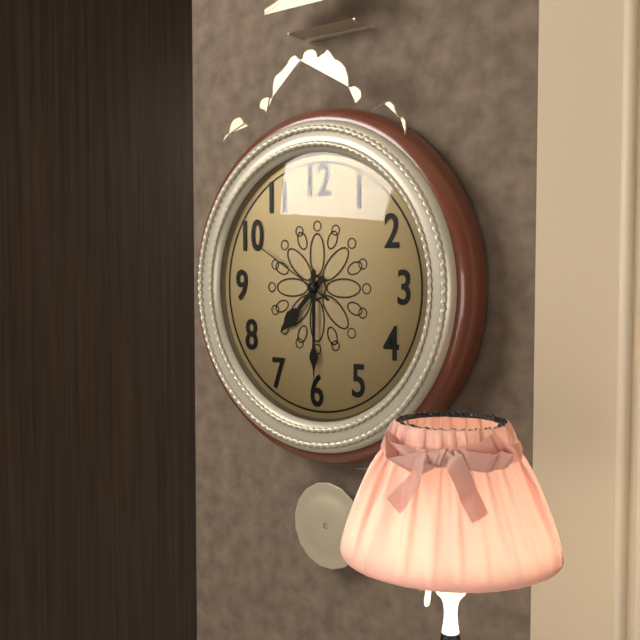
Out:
7.30.50
